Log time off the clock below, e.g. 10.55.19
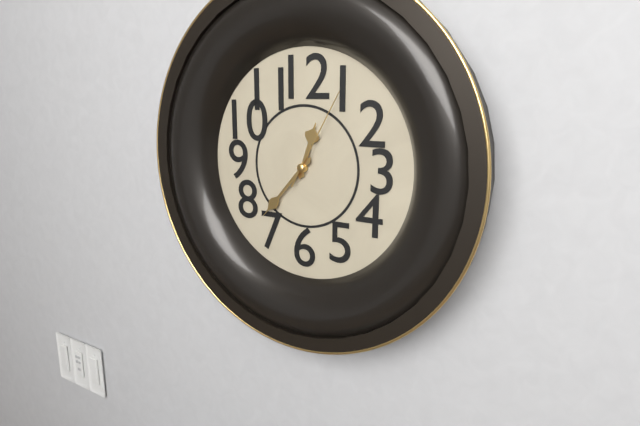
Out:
12.37.05
